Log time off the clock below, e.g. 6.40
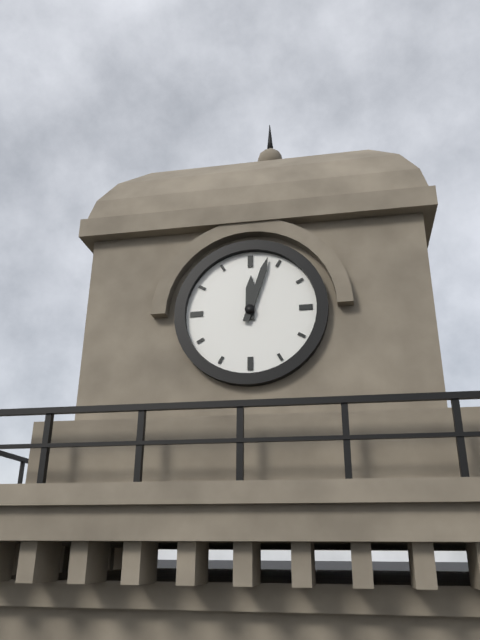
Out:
12.03
